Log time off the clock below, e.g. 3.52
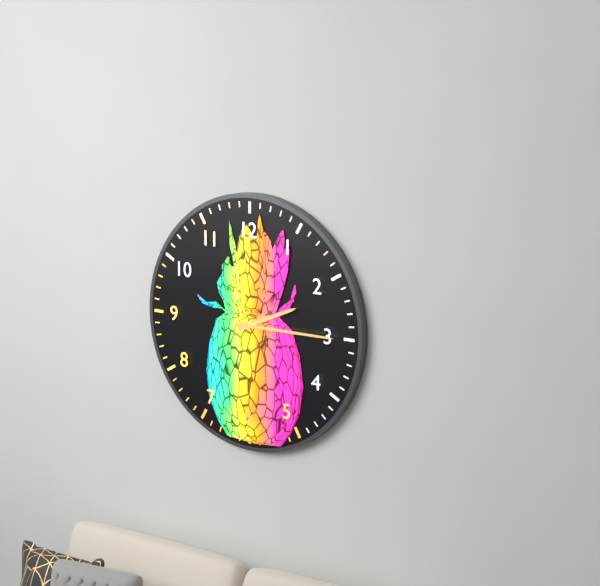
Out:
2.15
